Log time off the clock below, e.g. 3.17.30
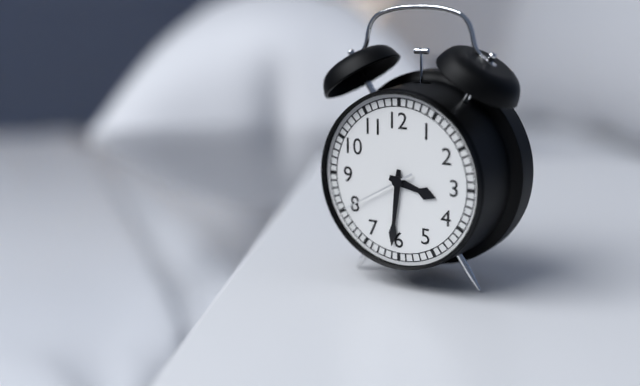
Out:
3.31.40
